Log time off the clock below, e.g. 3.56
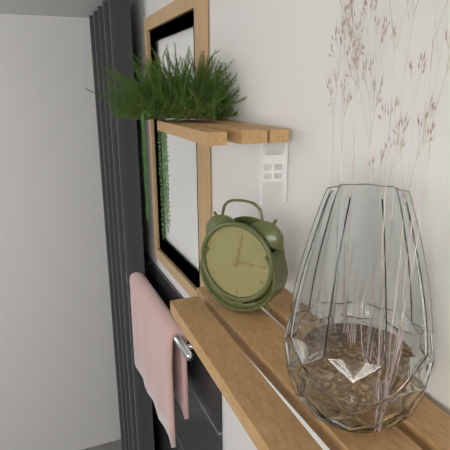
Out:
3.02
